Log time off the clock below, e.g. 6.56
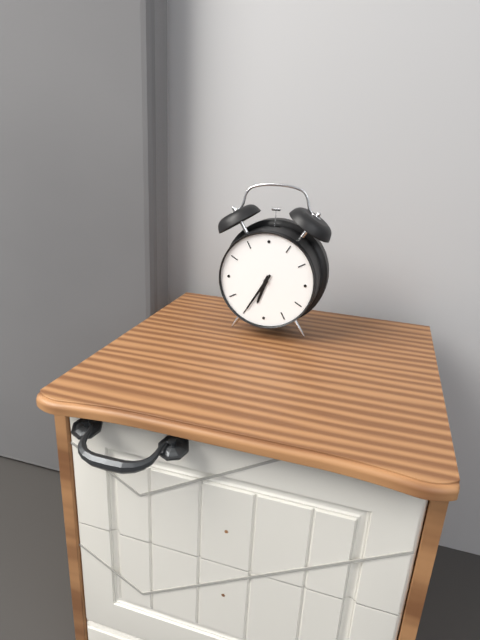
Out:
6.35
